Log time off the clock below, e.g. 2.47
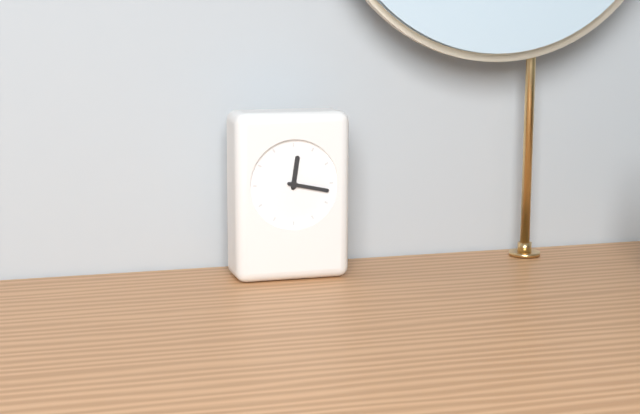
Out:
12.17
